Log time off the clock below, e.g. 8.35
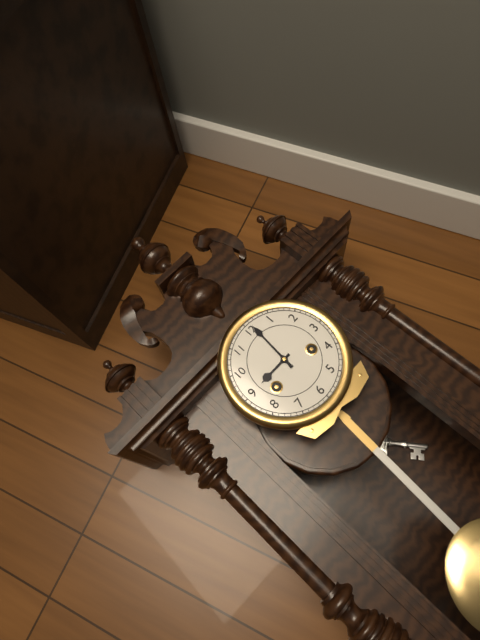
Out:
9.01
